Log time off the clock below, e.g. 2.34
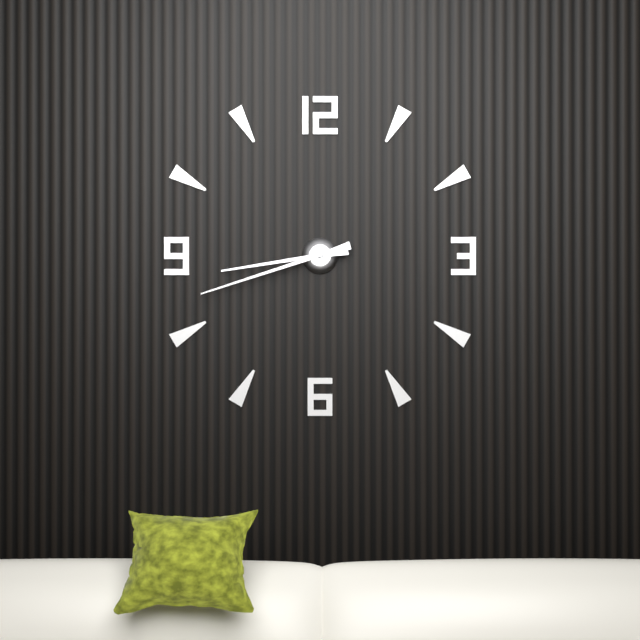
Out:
8.42
